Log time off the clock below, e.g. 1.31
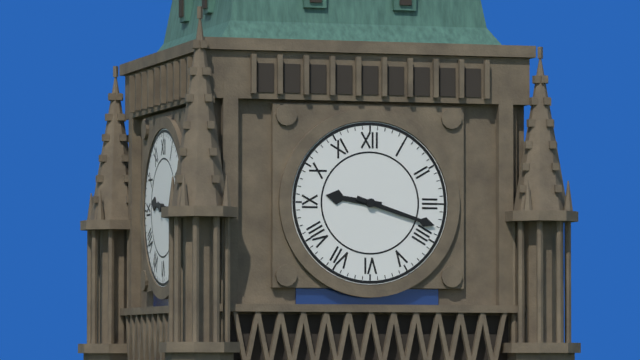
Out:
9.18
